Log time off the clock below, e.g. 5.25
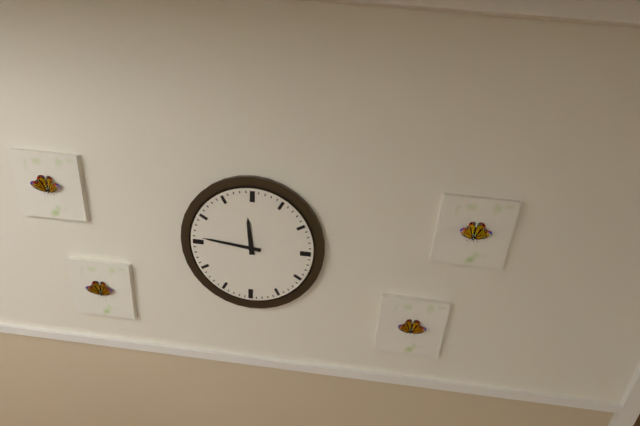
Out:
11.46
